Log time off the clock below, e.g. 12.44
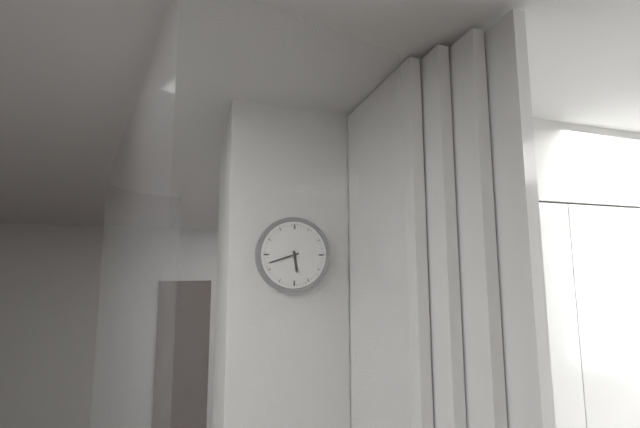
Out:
5.42
